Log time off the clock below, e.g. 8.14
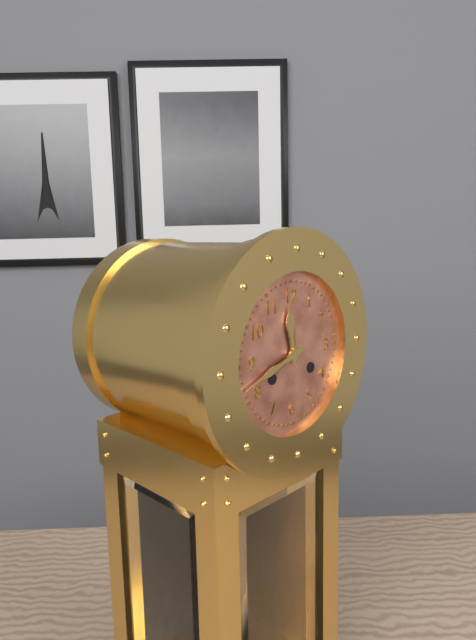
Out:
11.42
